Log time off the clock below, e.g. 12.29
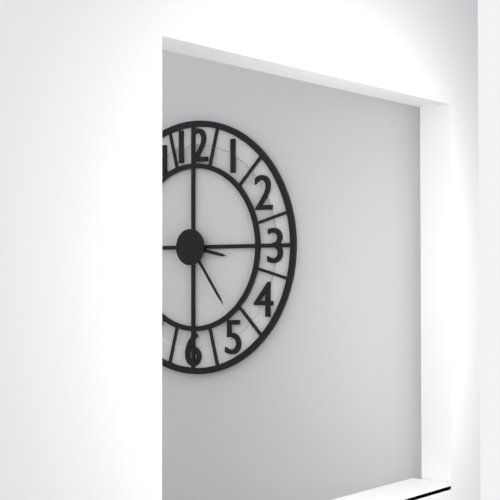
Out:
3.24
